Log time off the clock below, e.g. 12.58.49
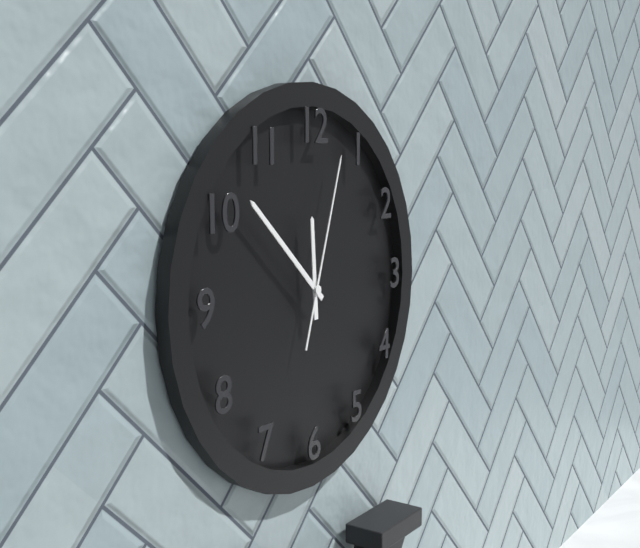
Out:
11.52.03
